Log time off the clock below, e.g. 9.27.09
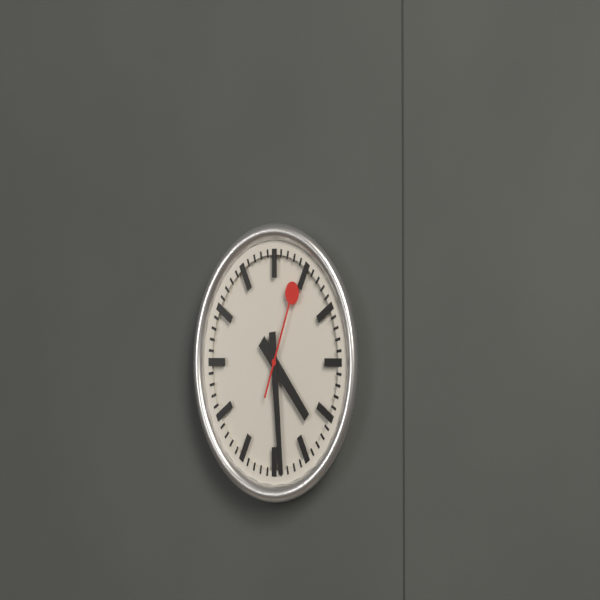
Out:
4.29.04
